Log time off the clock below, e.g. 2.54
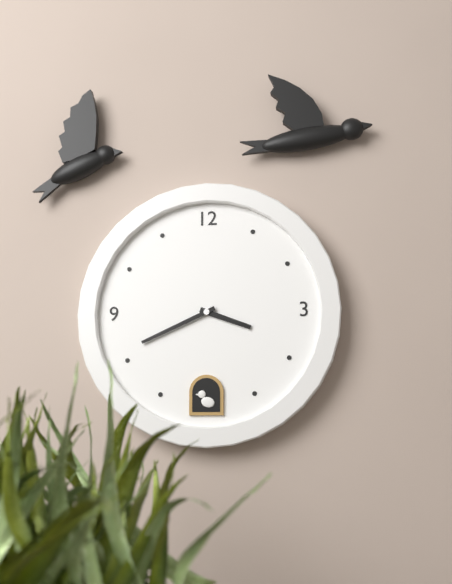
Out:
3.41
